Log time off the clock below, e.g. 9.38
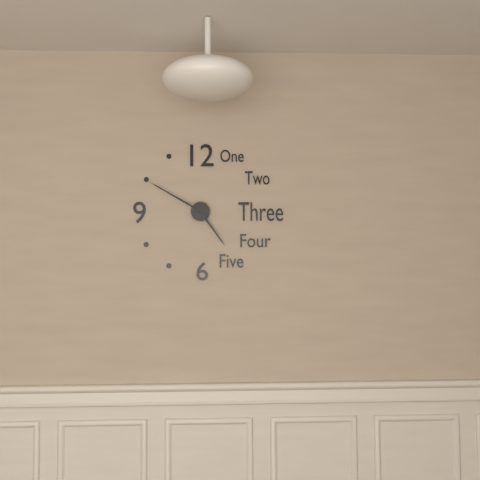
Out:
4.50
